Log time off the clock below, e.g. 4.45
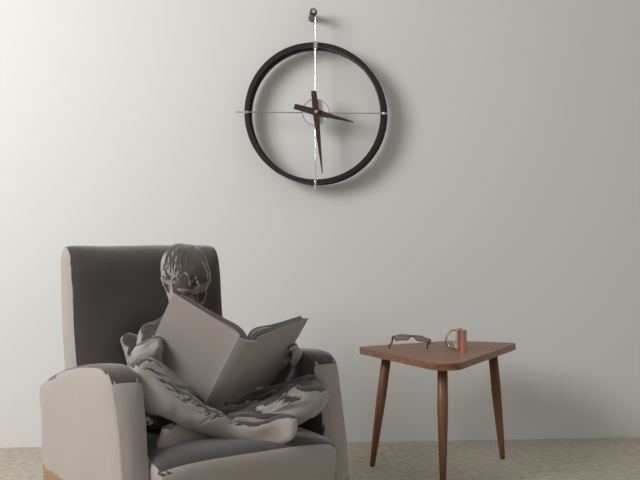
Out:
3.29
